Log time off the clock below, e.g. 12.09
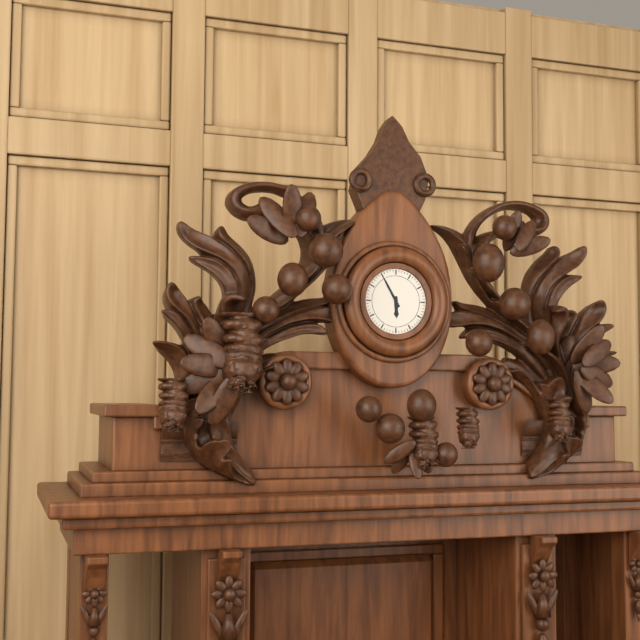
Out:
5.55
